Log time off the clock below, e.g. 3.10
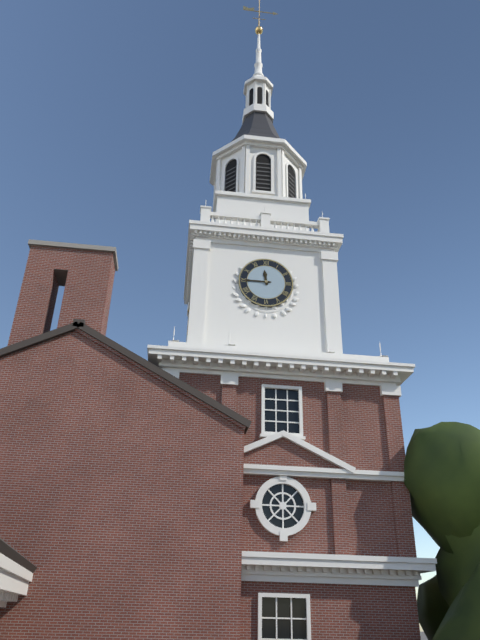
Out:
11.45
